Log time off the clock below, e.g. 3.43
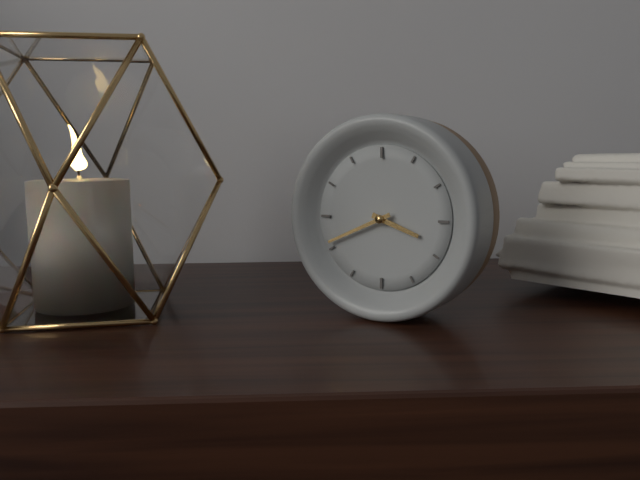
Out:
3.41
